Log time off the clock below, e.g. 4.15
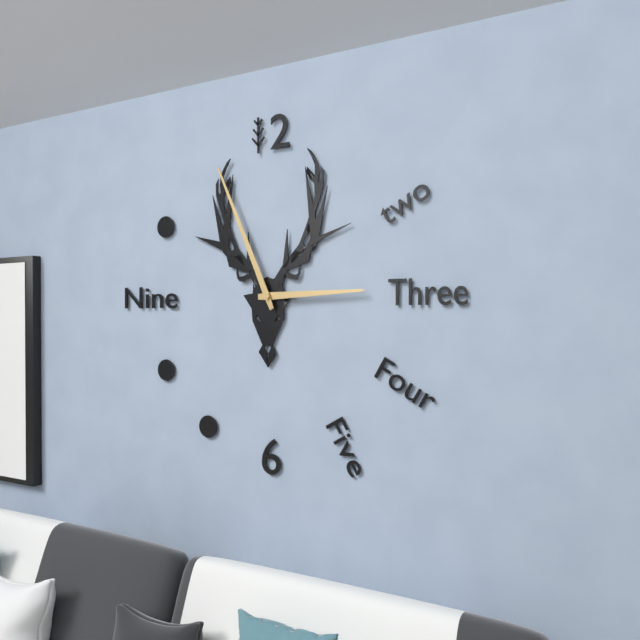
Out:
2.56
